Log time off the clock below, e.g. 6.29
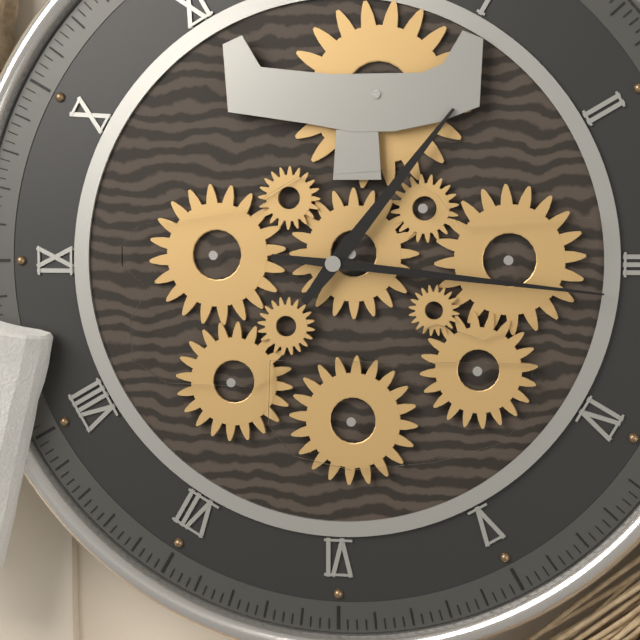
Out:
1.16
